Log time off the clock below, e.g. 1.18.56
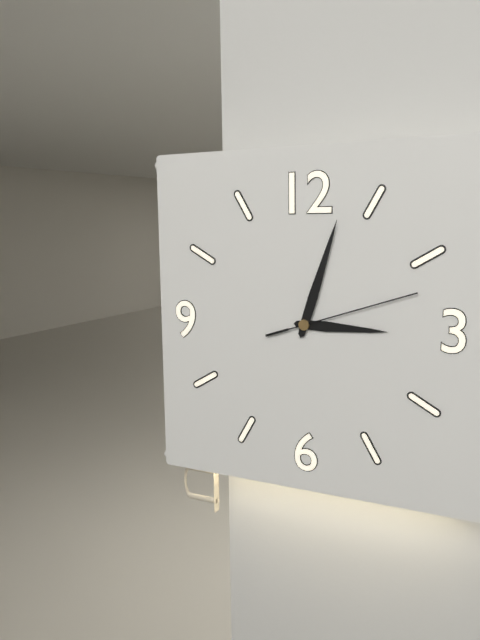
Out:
3.03.12
